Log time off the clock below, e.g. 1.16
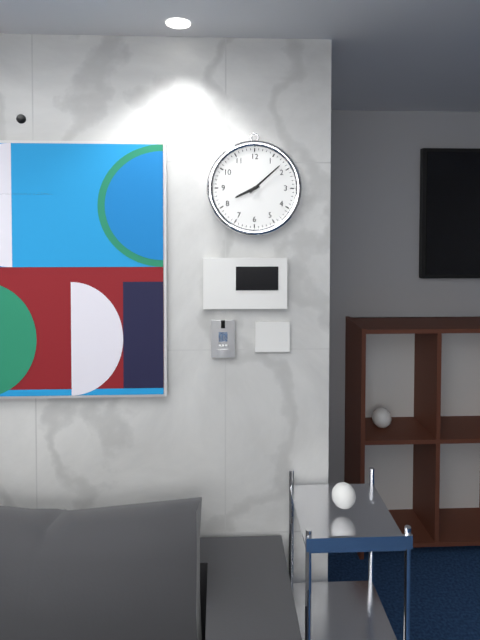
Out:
8.08
